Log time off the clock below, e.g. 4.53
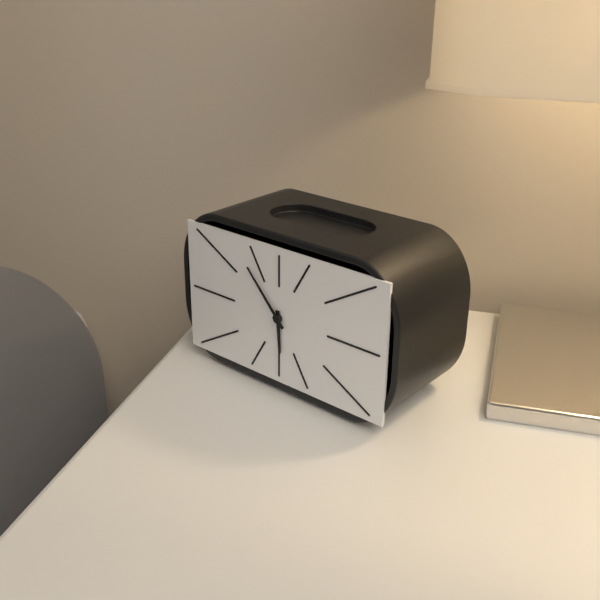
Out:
5.53
